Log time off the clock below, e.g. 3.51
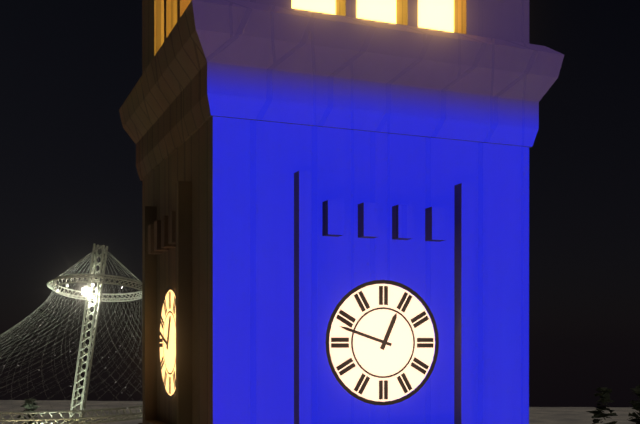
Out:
12.48
